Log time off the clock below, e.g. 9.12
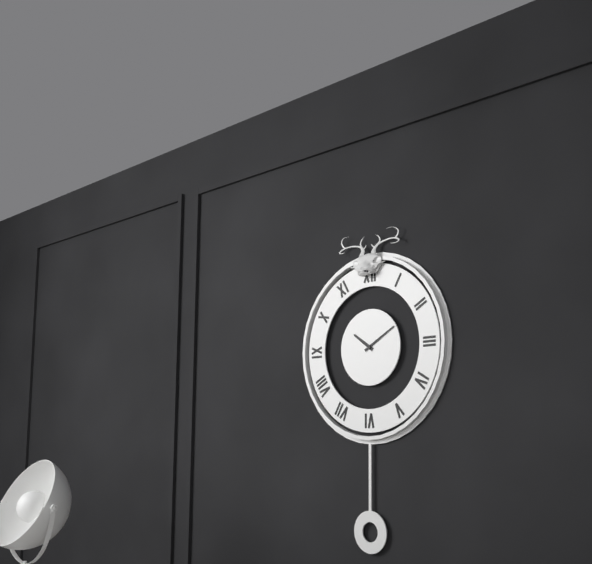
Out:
10.10
